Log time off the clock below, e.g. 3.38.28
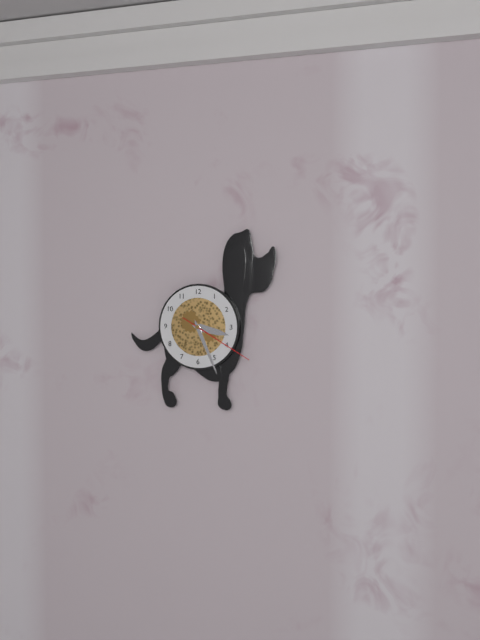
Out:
3.26.20
